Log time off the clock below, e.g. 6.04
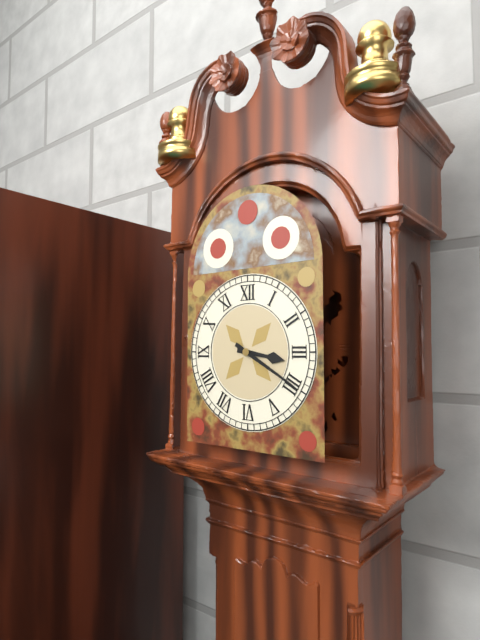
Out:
3.20
